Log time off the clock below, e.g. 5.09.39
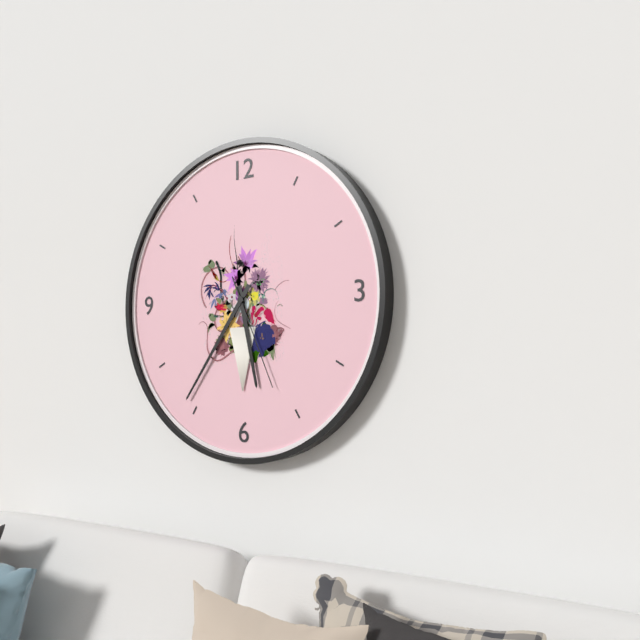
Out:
5.36.26
